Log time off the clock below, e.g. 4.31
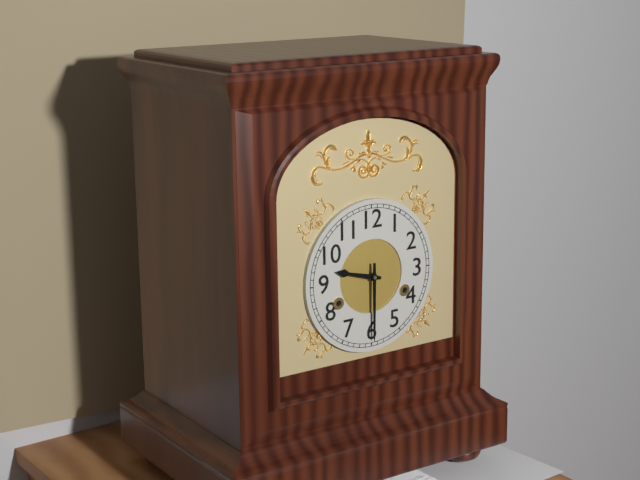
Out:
9.30
